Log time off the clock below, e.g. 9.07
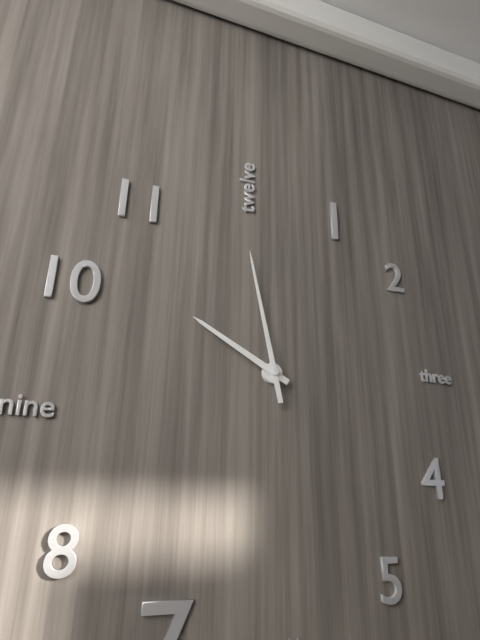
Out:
9.58
